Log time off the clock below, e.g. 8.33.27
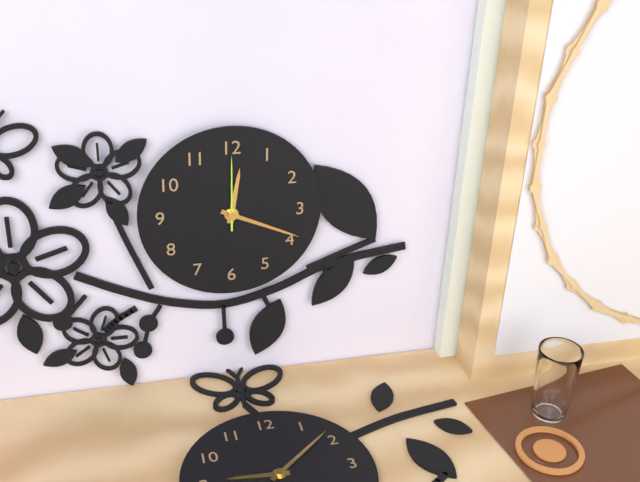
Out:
12.19.00
